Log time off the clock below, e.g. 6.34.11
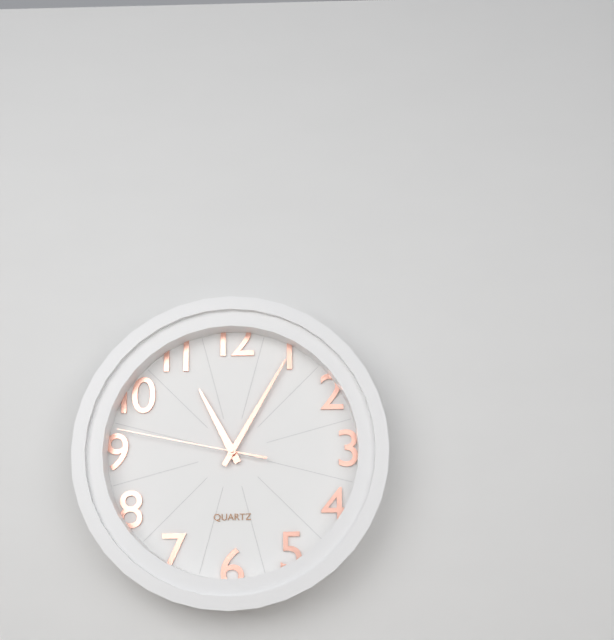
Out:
11.05.47
